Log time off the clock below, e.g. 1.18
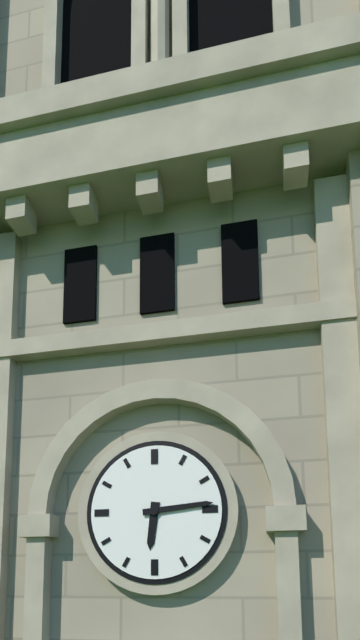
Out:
6.14
